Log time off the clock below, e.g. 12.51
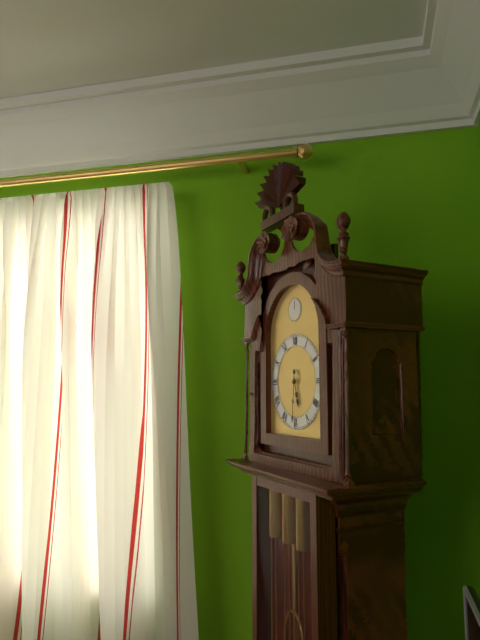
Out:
5.31
